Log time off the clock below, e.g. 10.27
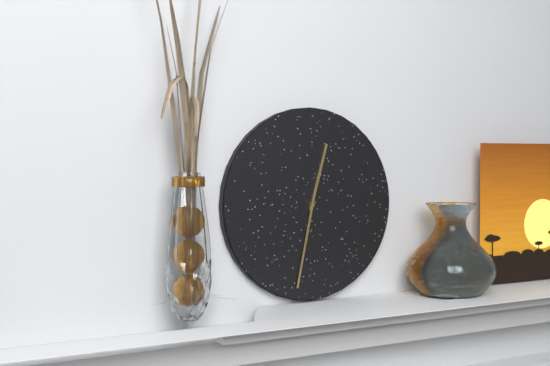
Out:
12.32
